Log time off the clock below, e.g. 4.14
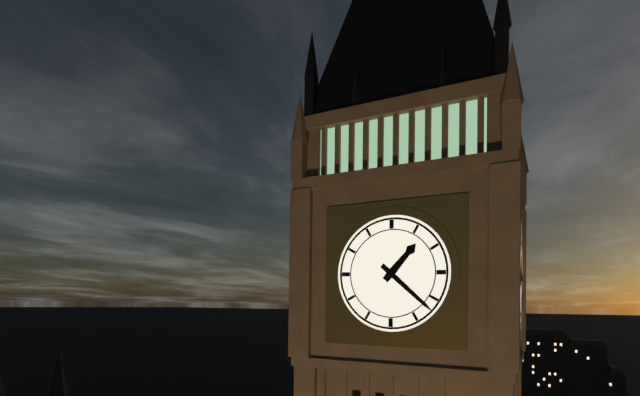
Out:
1.22
